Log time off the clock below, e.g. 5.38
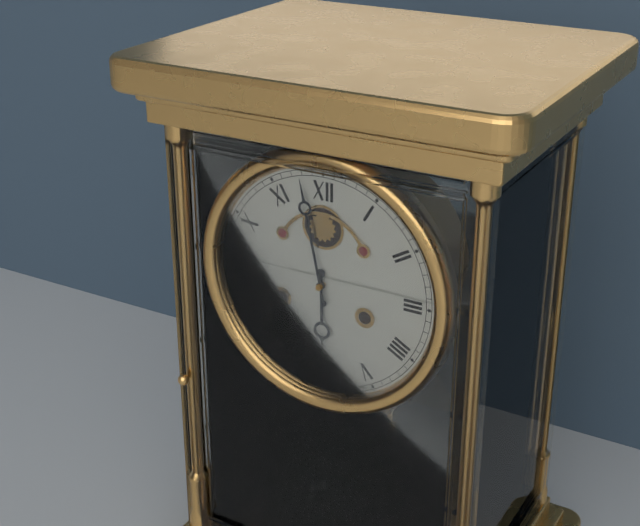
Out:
5.58
